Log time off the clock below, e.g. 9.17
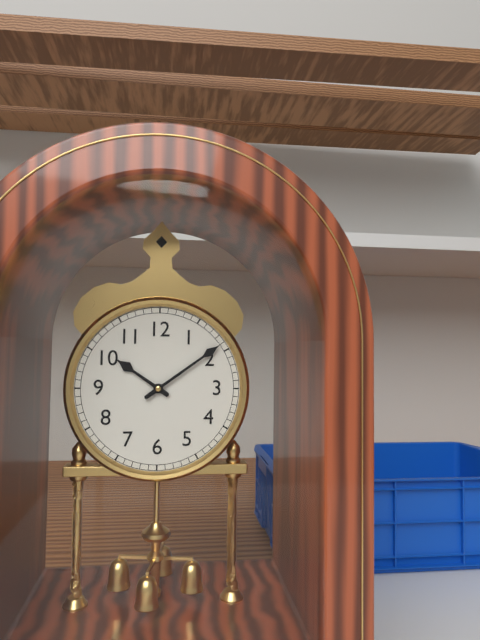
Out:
10.09
